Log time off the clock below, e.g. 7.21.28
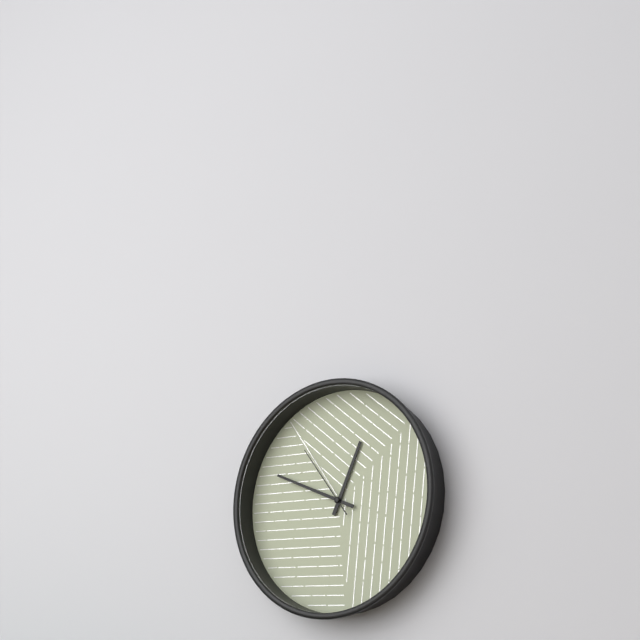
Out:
12.49.54
